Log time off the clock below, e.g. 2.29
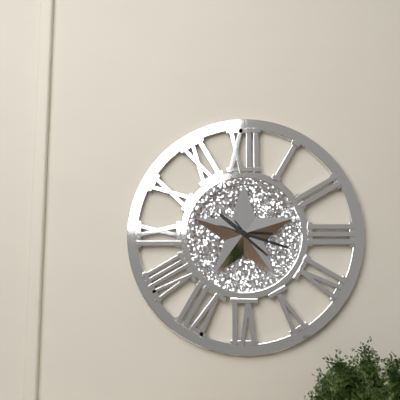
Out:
10.18
